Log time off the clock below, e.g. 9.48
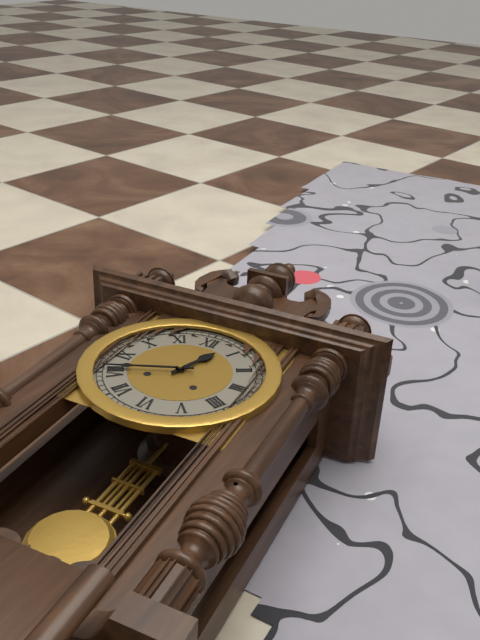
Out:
12.41
